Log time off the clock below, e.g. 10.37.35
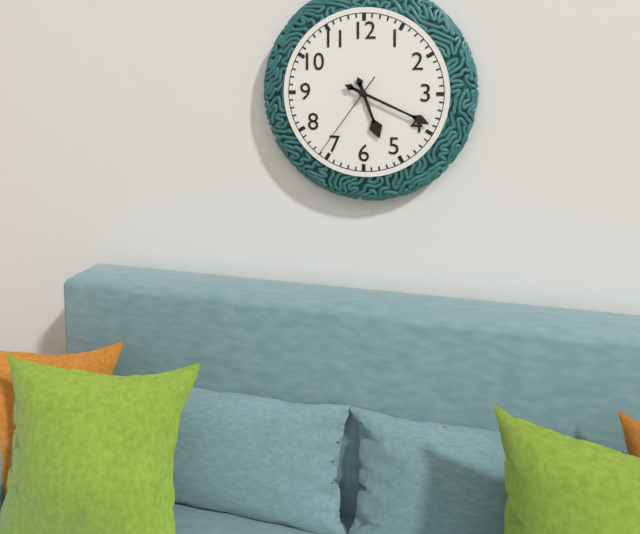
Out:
5.19.36
